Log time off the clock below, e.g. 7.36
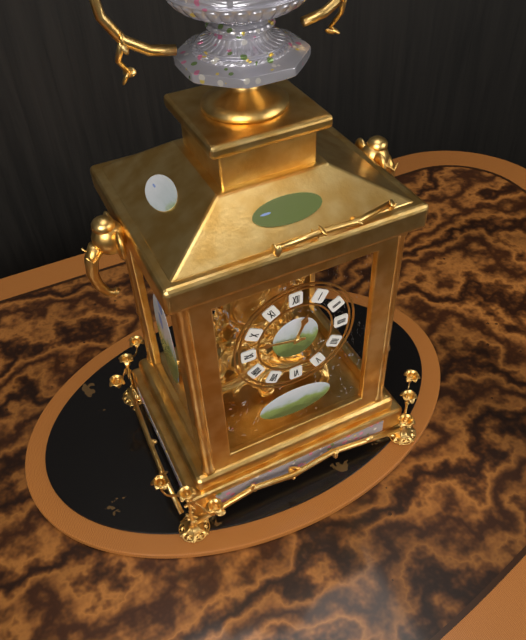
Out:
12.47
